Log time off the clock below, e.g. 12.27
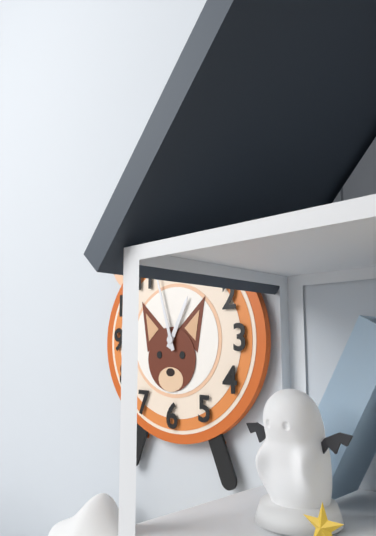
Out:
12.57
